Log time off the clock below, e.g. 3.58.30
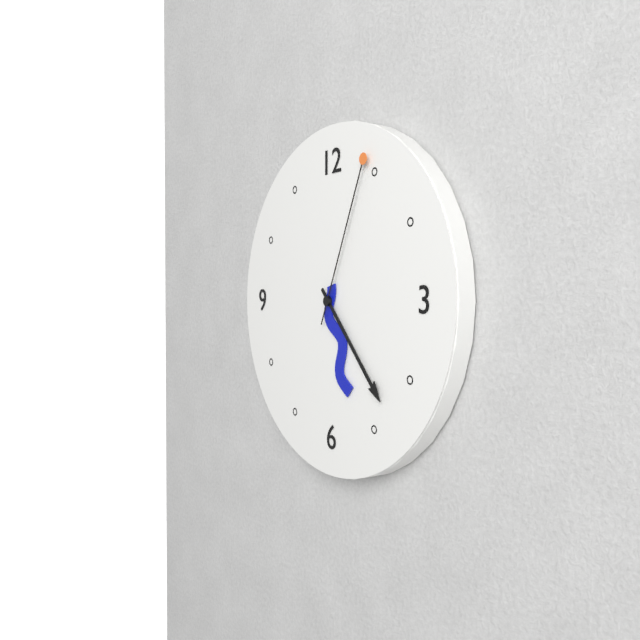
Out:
5.23.04
